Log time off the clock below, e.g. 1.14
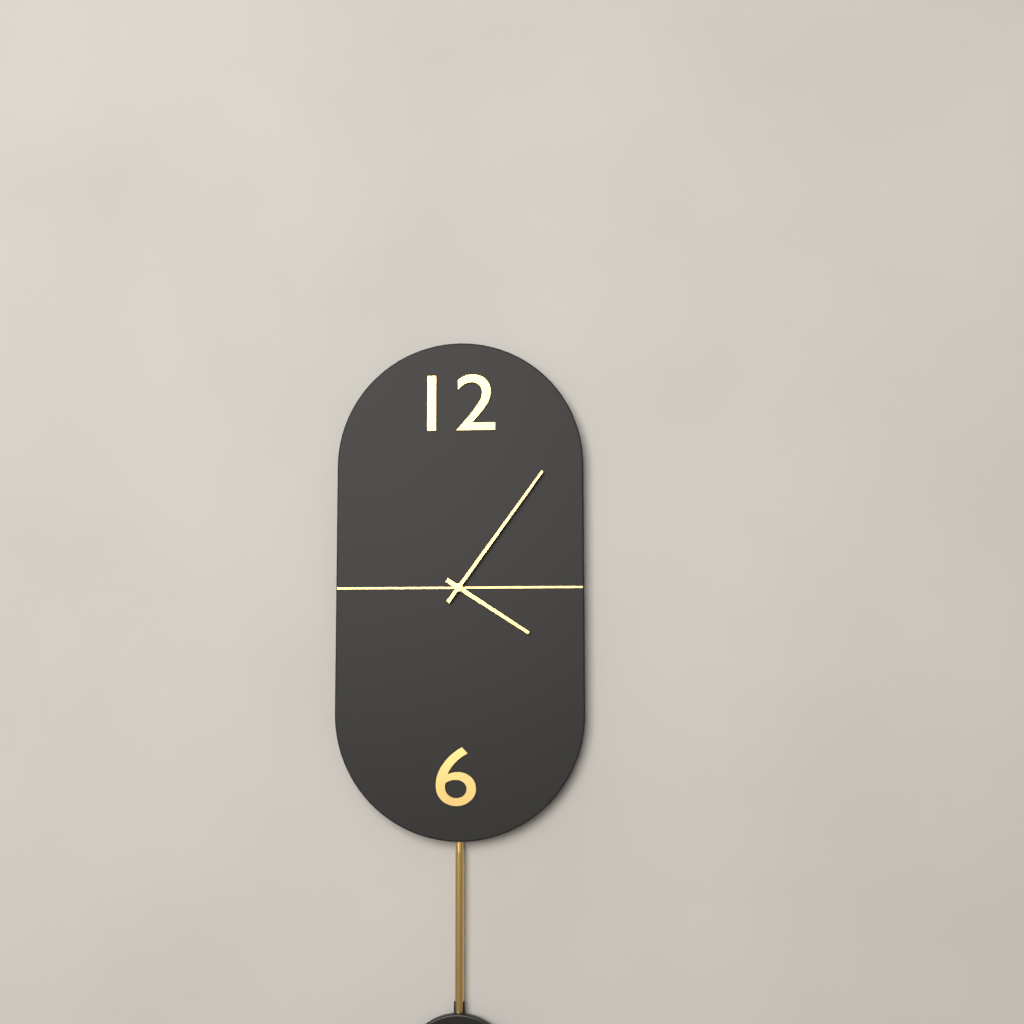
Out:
4.06
